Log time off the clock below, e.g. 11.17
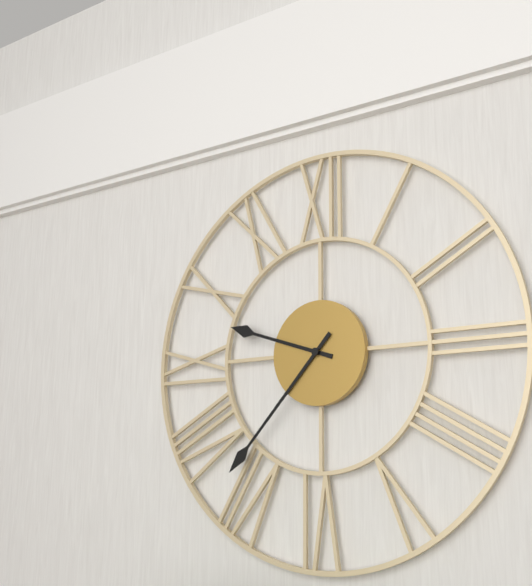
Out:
9.37
